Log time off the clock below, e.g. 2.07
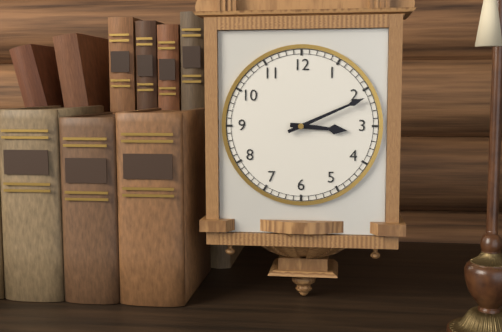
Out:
3.11
